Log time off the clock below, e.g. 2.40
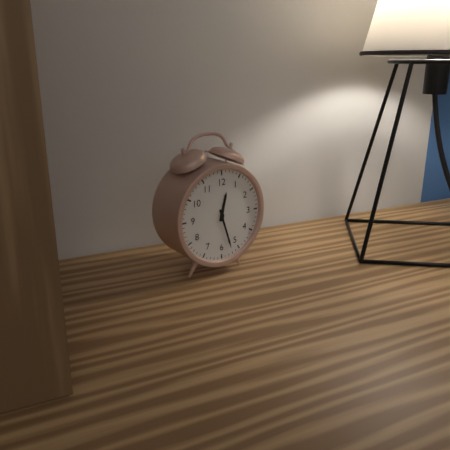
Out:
12.27
